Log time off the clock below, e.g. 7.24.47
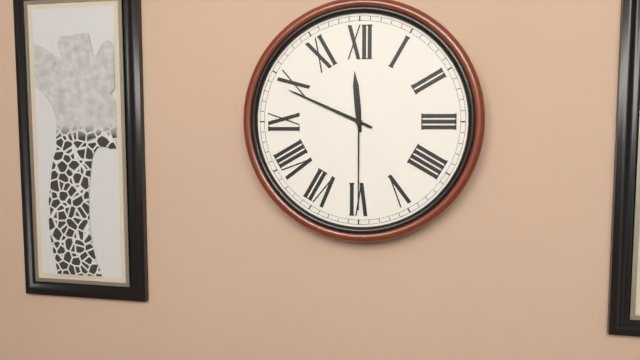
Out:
11.49.30
